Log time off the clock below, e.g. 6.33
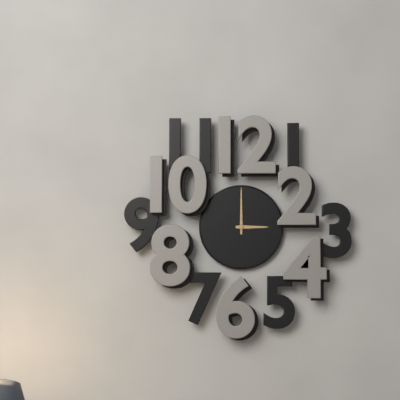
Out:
3.00
